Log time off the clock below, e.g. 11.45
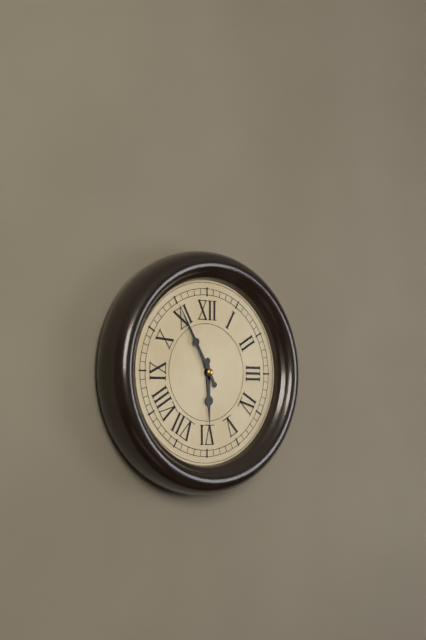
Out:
5.55
